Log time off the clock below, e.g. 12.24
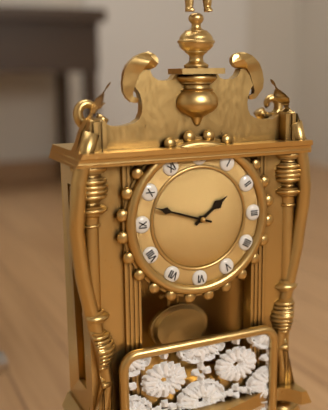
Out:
1.48
